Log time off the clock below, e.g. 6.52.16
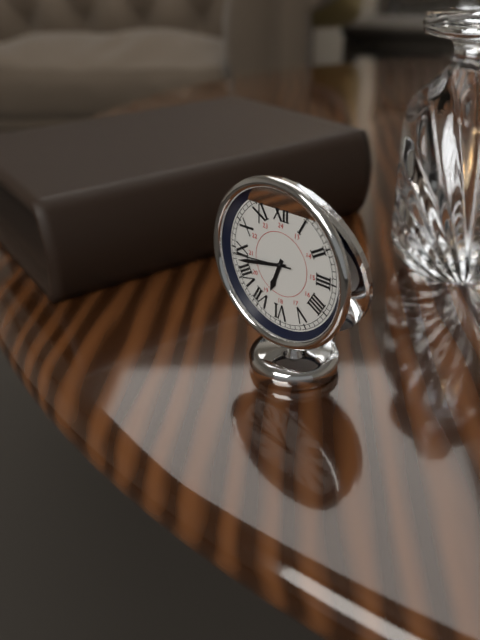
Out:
6.43.44
